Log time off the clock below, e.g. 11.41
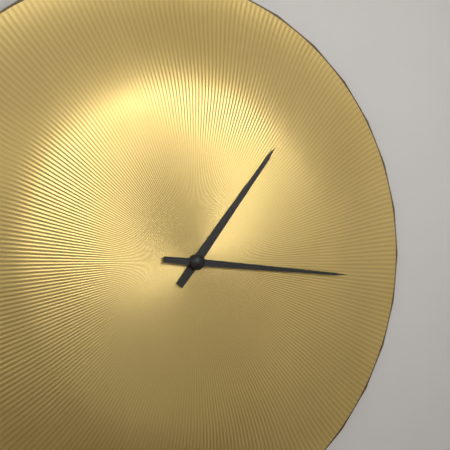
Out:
1.16
